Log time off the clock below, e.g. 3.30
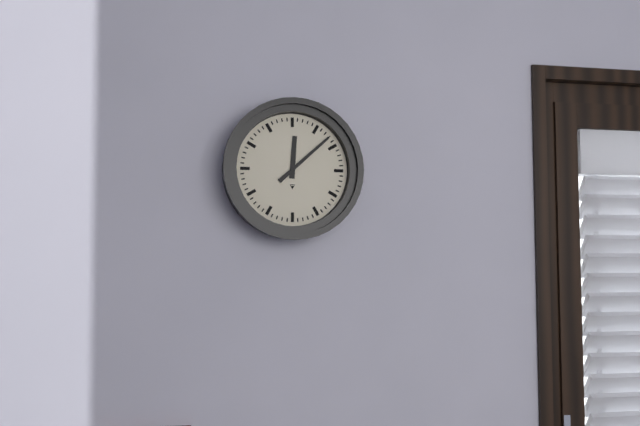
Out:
12.08
